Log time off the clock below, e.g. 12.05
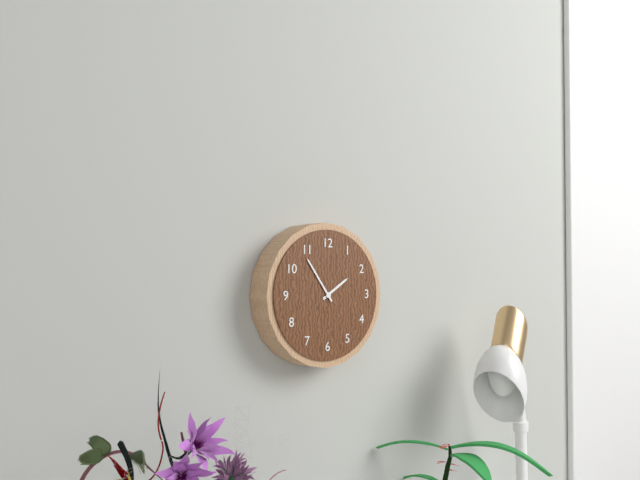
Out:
1.54
